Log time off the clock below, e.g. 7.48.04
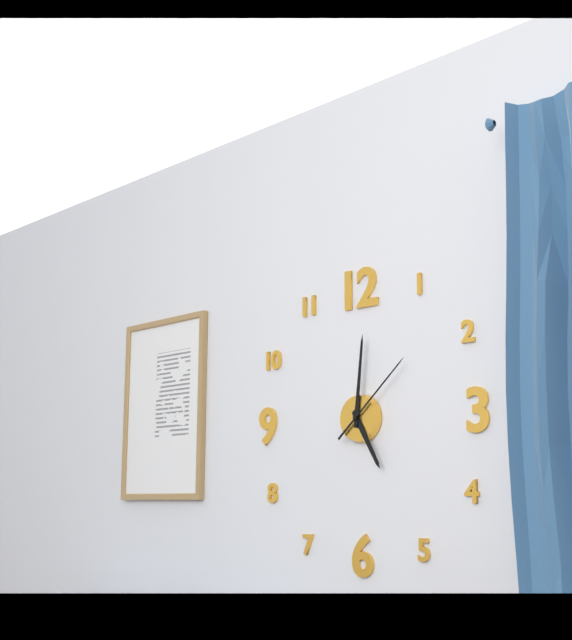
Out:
5.01.08
